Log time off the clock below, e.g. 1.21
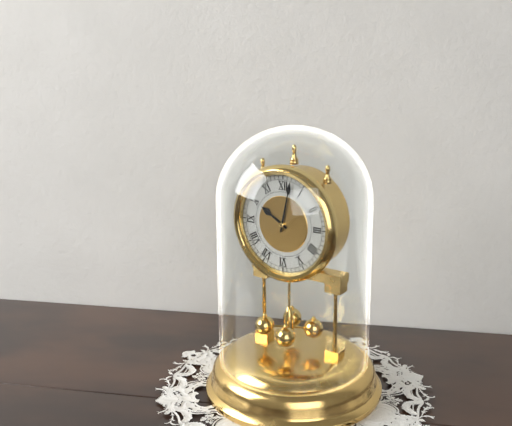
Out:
10.02
